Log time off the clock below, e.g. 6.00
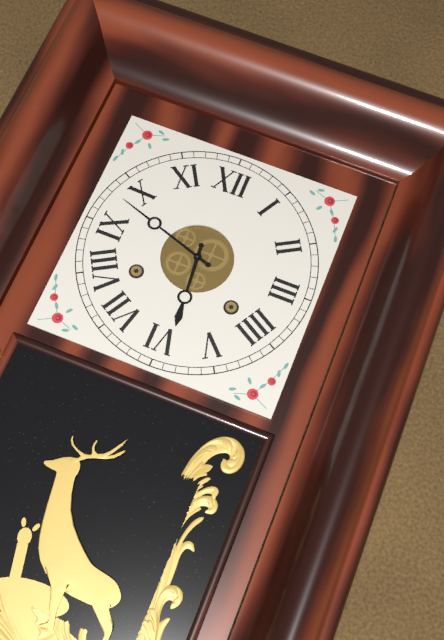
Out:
5.48
